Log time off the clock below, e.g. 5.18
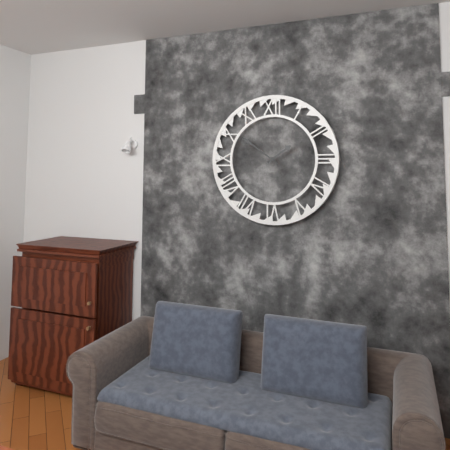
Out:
1.51
